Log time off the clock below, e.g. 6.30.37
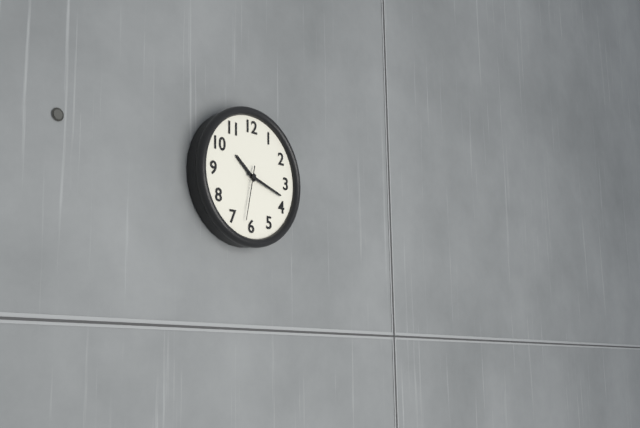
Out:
10.18.32
